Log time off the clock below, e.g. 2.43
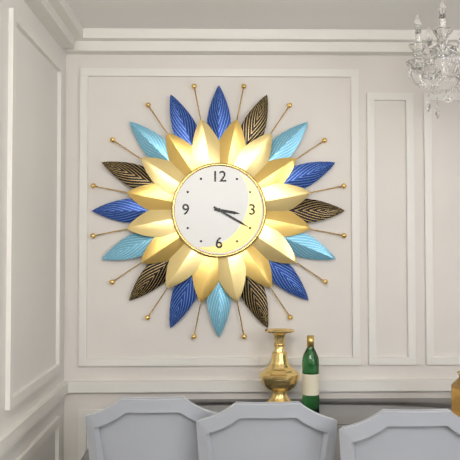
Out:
3.20
